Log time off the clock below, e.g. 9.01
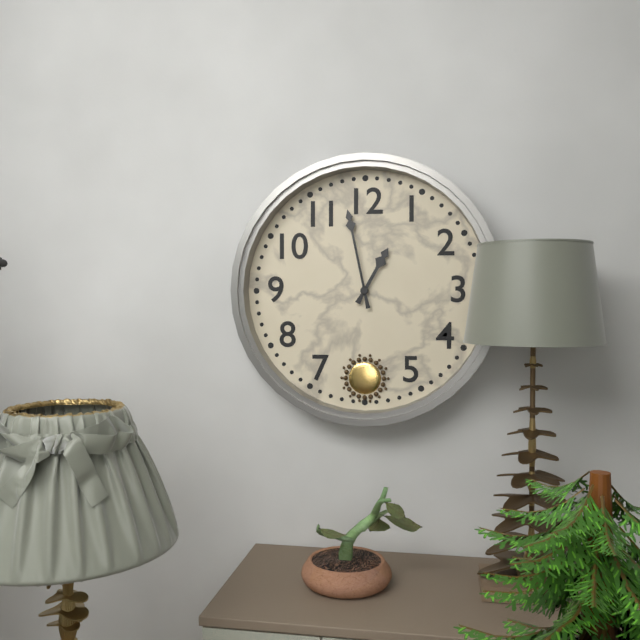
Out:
12.58
